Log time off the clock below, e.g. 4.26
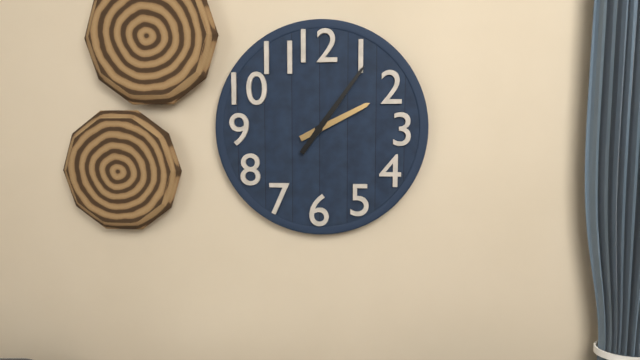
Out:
2.06
